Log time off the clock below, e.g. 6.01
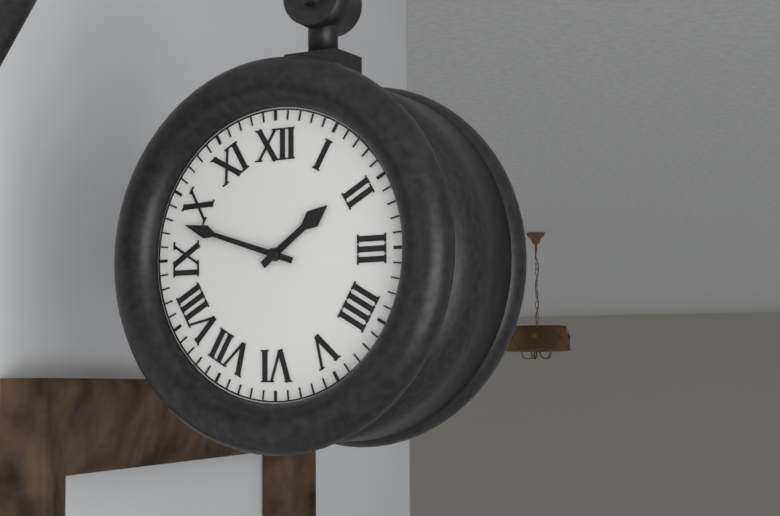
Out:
1.48
